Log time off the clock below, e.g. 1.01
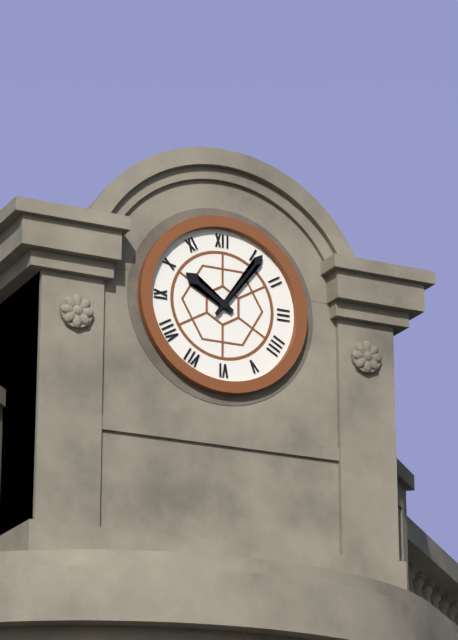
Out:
10.06
